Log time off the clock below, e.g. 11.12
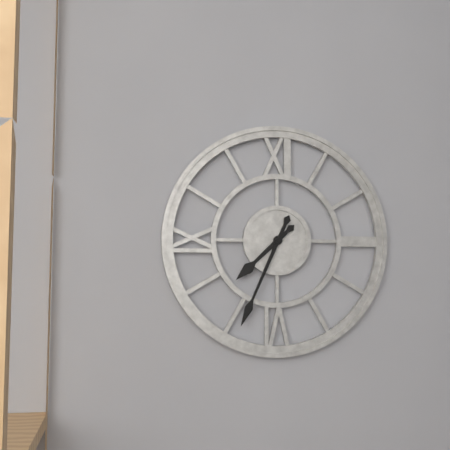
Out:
7.34
